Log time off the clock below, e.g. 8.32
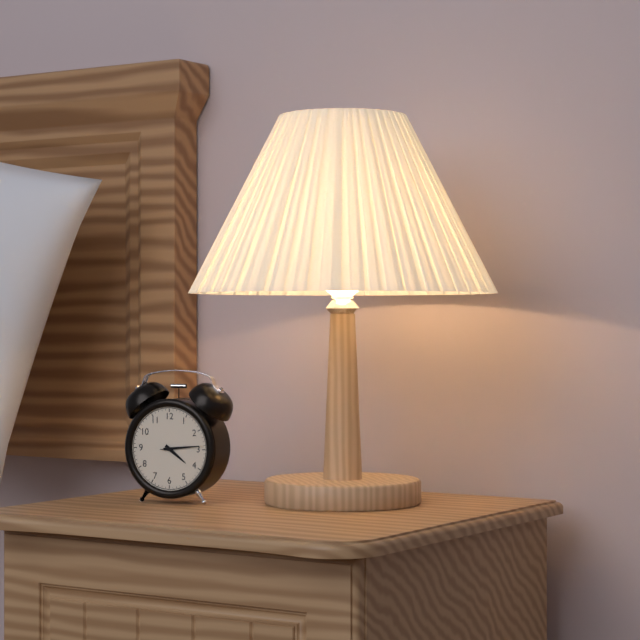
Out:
4.14
